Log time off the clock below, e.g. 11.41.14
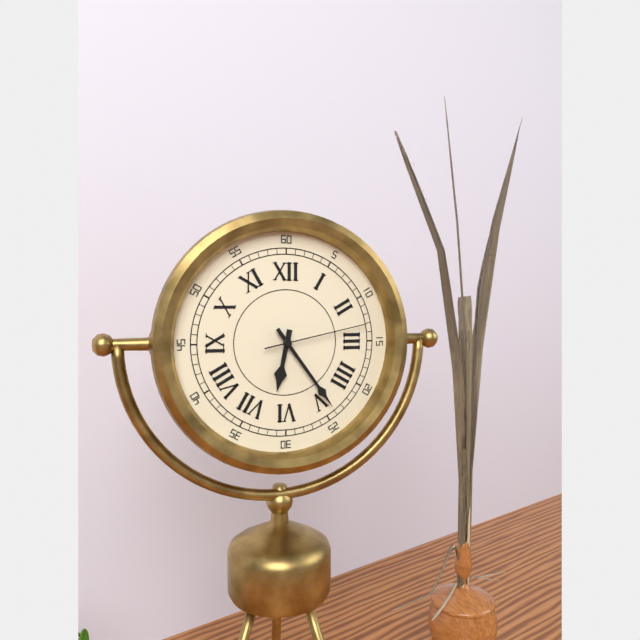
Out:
6.24.13
